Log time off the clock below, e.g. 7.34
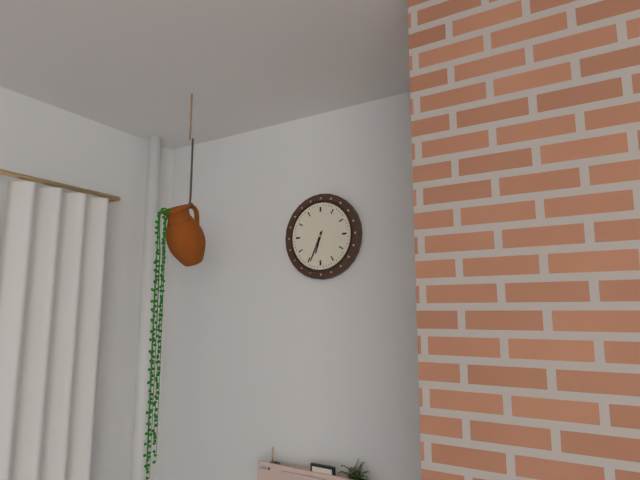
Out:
6.34
